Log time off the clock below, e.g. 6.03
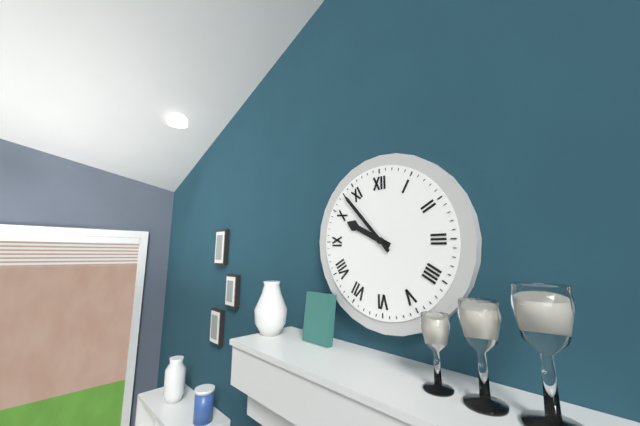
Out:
9.53
